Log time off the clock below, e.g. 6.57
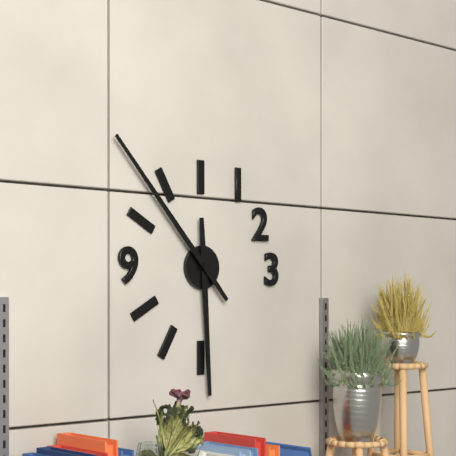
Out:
5.53
